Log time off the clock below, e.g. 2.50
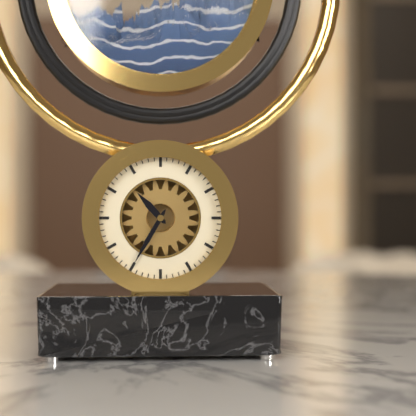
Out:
10.35
